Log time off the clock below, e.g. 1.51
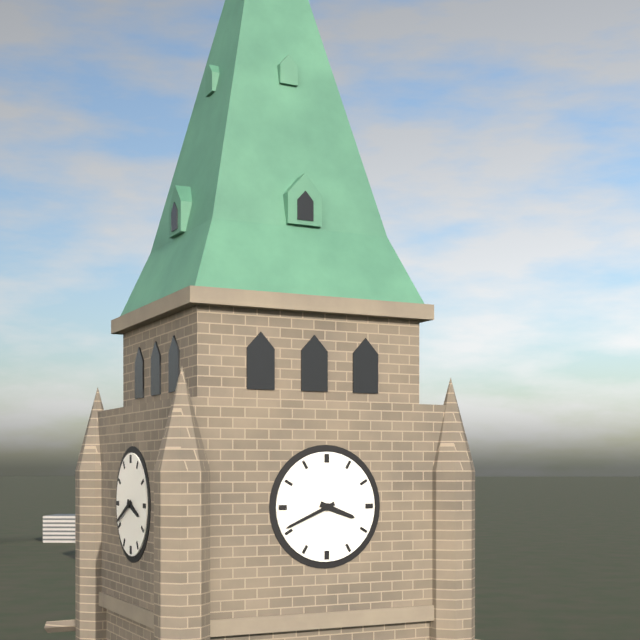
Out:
3.41
